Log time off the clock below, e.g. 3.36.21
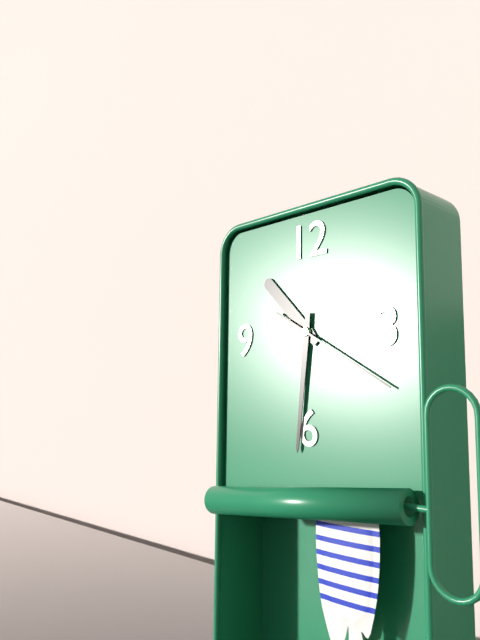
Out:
10.31.20
